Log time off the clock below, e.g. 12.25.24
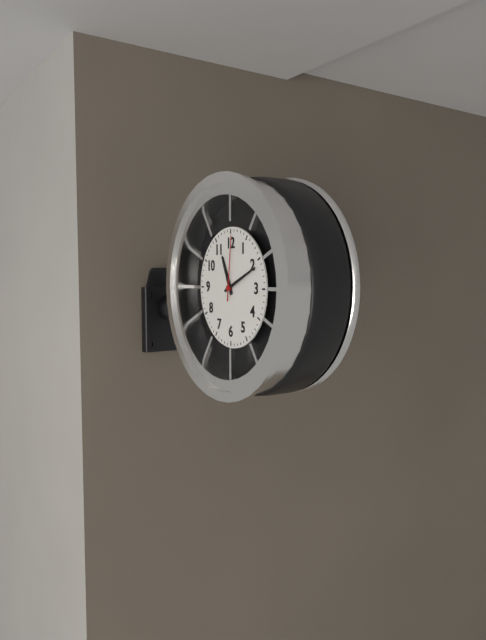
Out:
11.11.01
